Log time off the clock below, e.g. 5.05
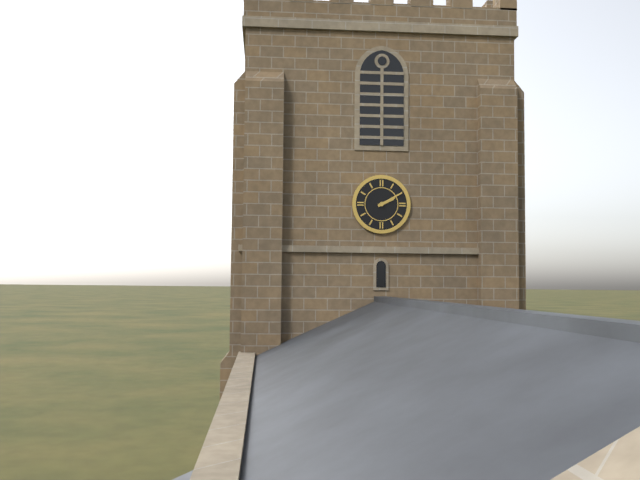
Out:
2.10
